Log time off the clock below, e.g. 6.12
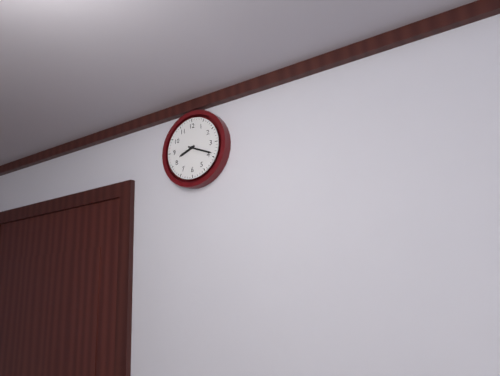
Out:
8.19
